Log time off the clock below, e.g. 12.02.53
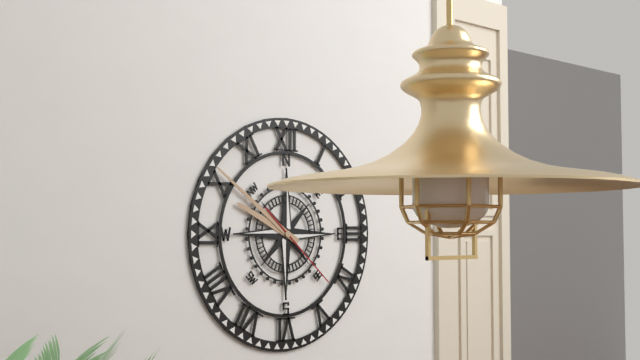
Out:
9.51.22
